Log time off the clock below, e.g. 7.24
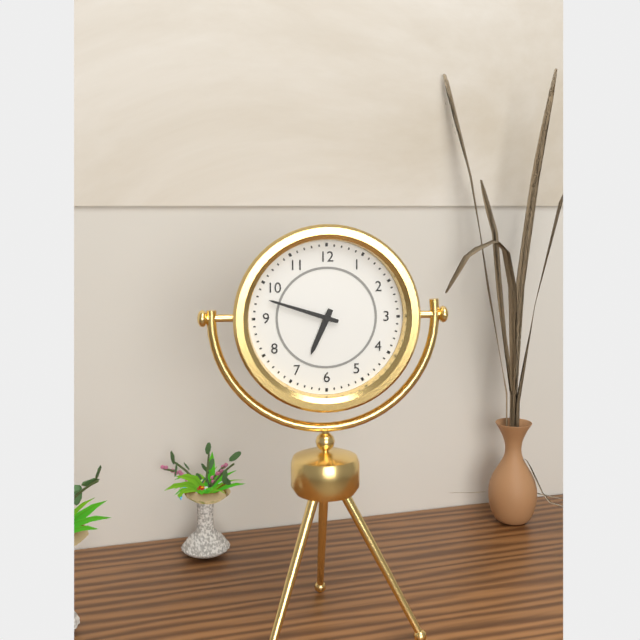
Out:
6.48
